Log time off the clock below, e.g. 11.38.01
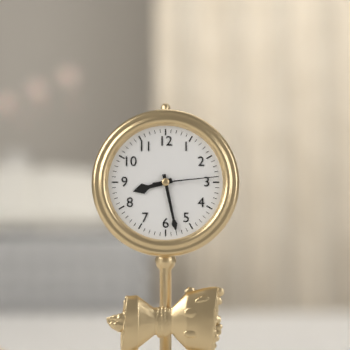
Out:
8.28.14
